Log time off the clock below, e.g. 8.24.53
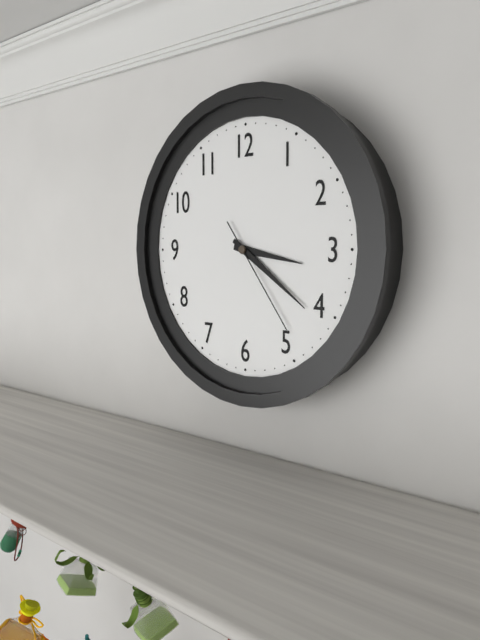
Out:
3.21.24
